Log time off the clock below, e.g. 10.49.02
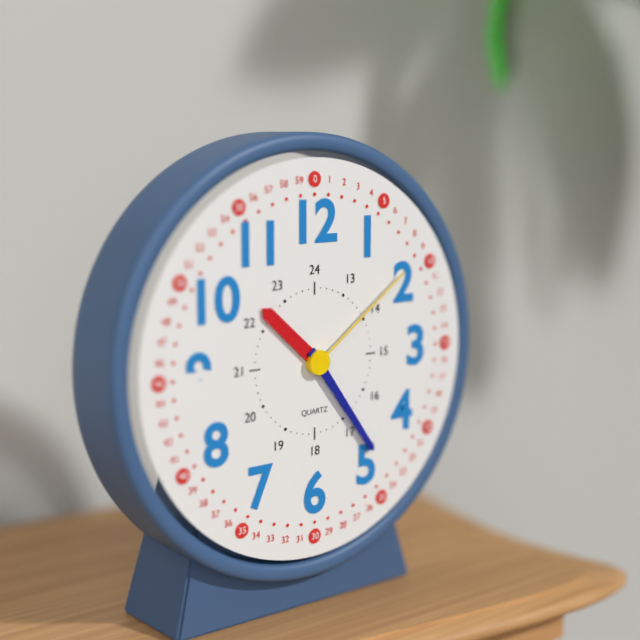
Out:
10.24.09
